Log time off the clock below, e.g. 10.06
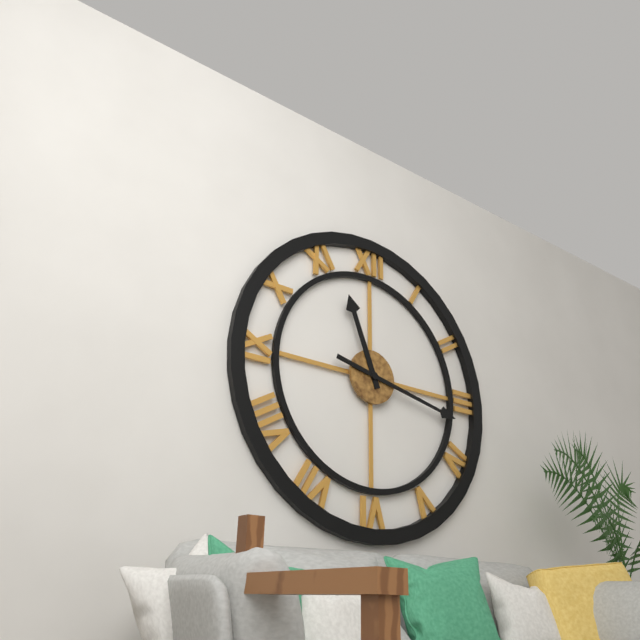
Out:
11.17
